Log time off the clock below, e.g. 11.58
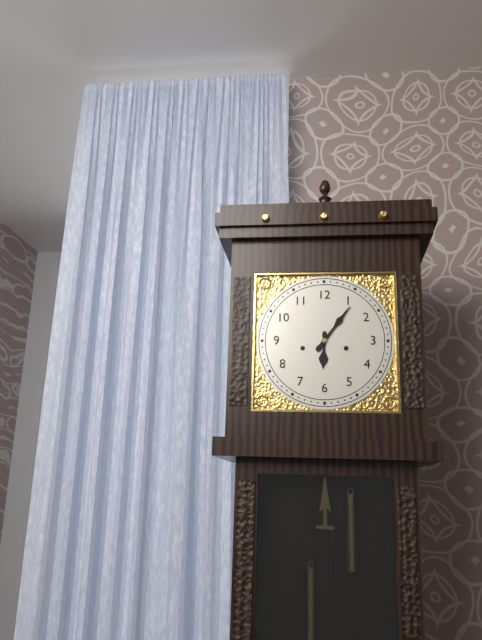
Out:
6.06
